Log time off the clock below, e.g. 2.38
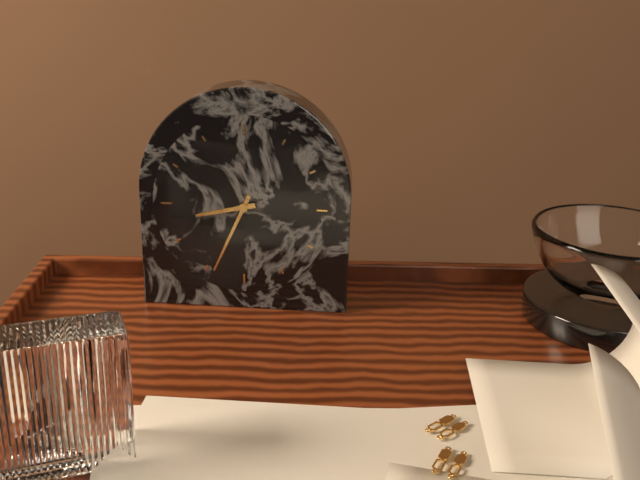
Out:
8.34
